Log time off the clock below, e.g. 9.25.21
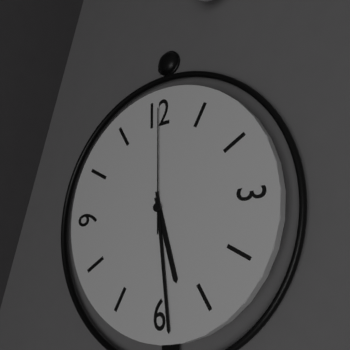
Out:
5.29.00
